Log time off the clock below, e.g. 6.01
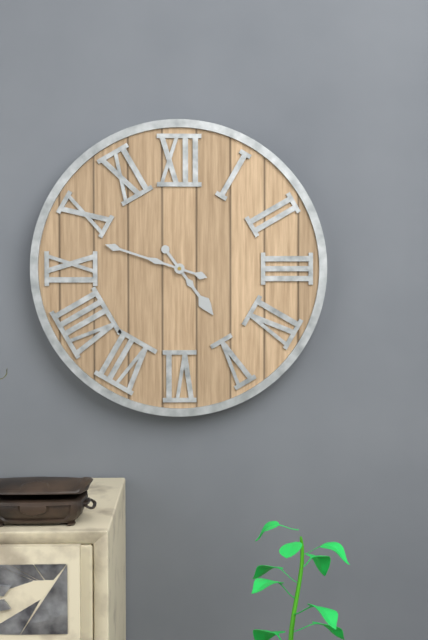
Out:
4.48
